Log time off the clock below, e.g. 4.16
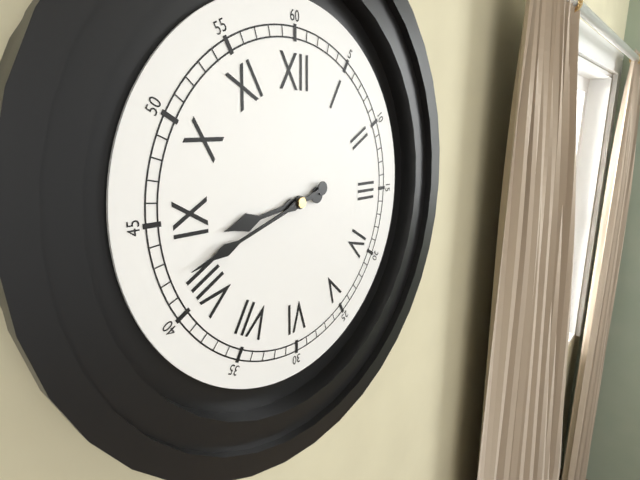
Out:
8.42
